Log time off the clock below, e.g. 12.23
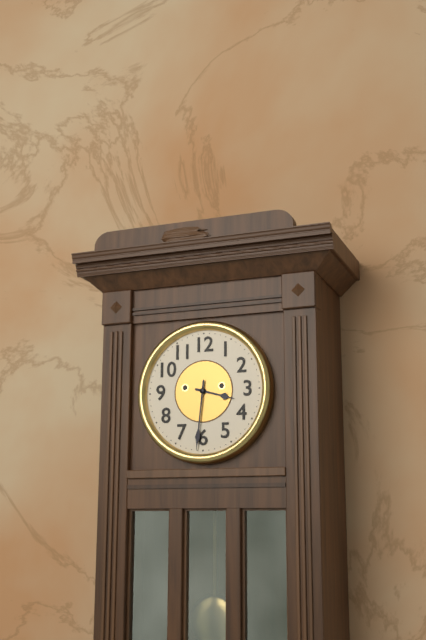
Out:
3.31
